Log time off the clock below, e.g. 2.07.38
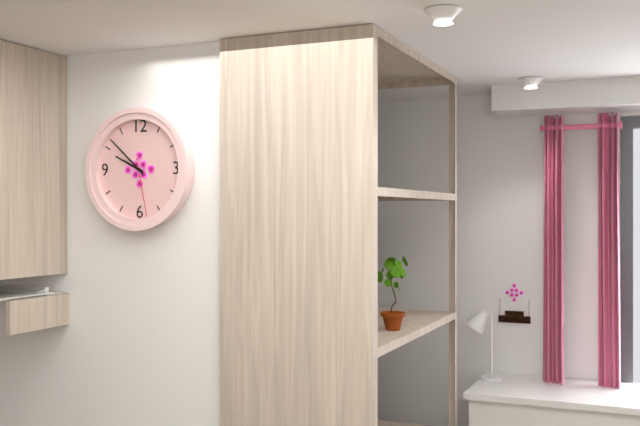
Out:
9.52.28
